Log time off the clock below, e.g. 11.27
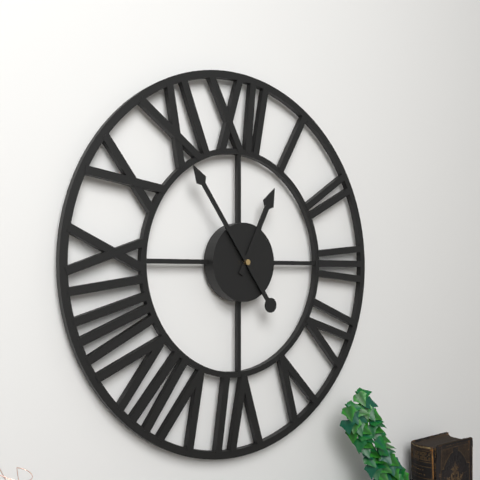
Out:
12.54
